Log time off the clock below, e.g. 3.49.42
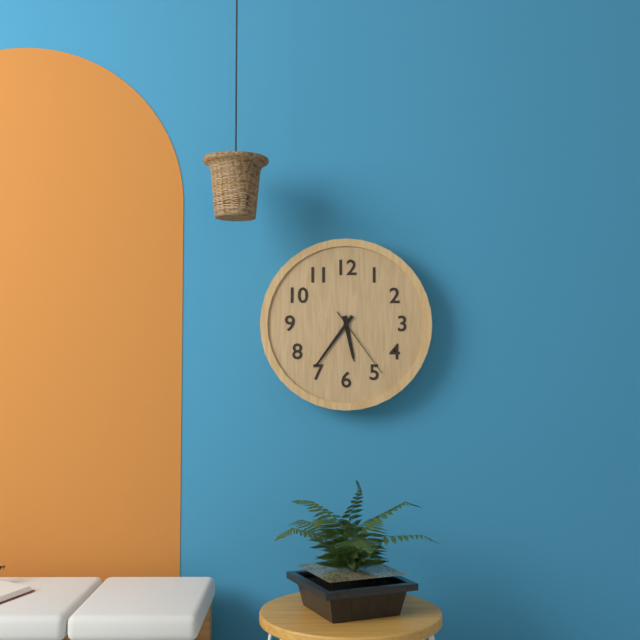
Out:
5.36.24
